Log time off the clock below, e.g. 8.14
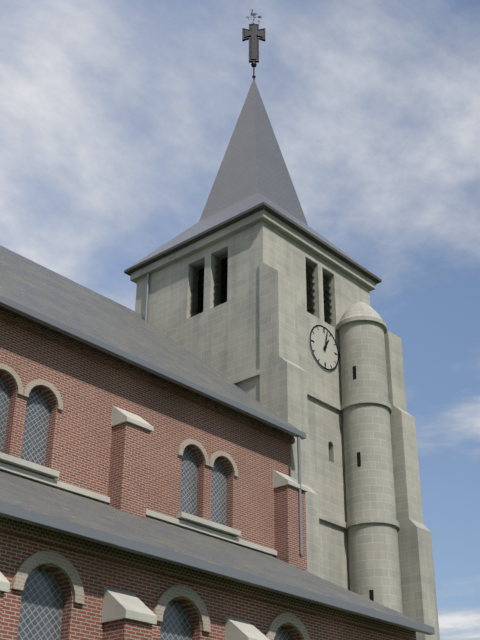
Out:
1.02
